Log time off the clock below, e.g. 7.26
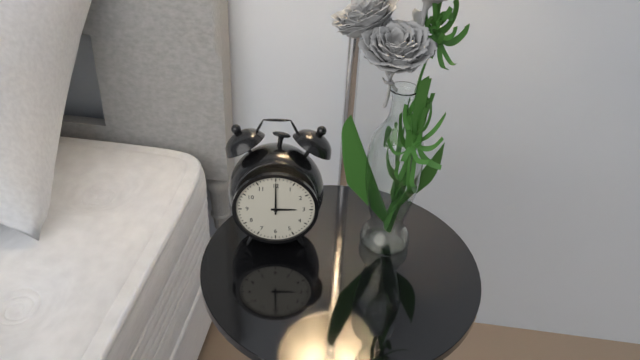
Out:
3.00
